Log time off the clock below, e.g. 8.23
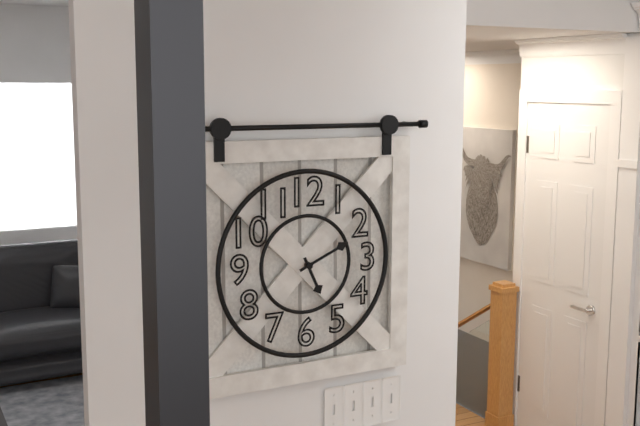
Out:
5.11
